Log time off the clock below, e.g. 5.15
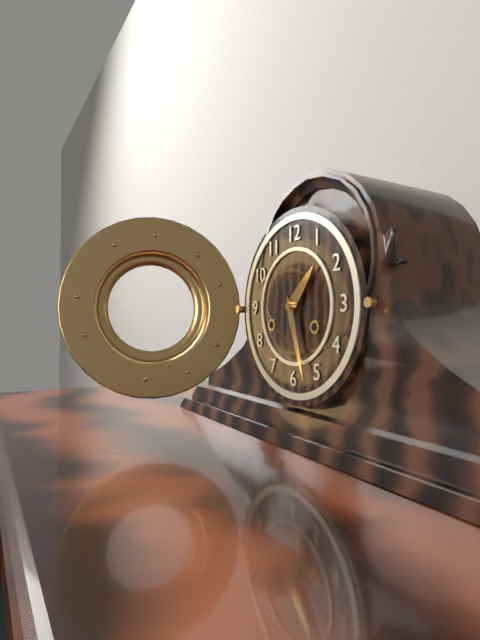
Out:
1.27
